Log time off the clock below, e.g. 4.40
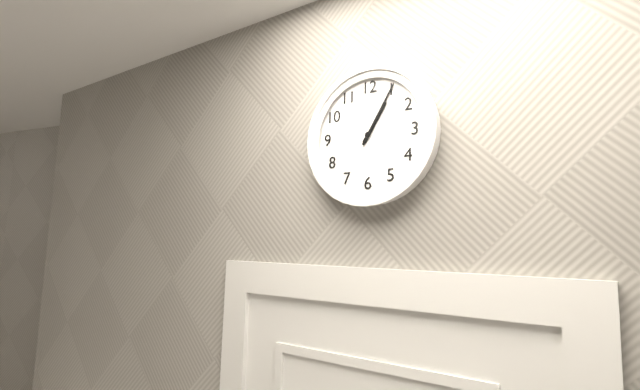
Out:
1.05
